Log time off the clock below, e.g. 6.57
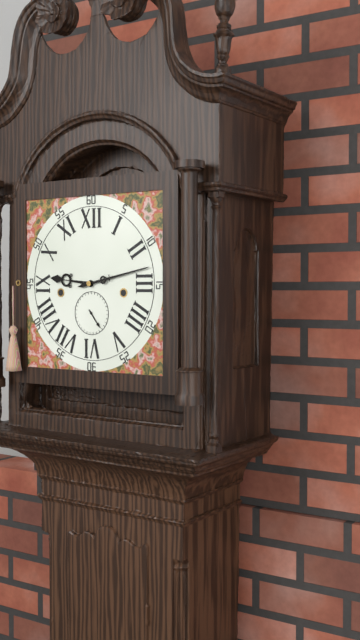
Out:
9.13
